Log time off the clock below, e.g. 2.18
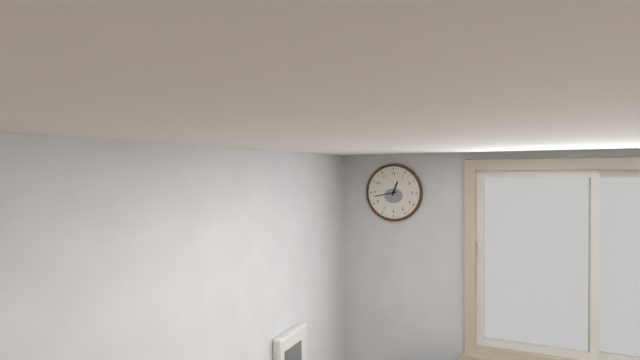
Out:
12.43
